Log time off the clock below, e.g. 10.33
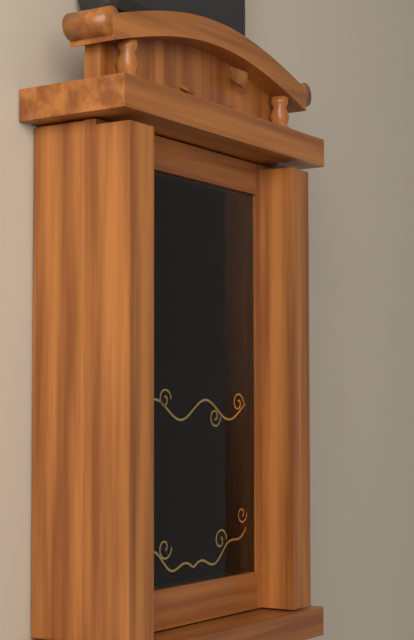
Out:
8.03
